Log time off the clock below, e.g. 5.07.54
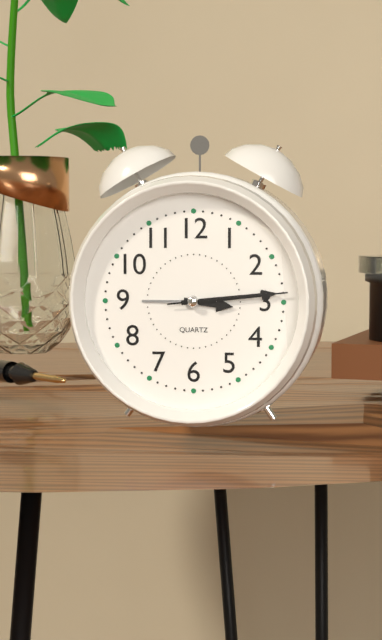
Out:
3.14.14
